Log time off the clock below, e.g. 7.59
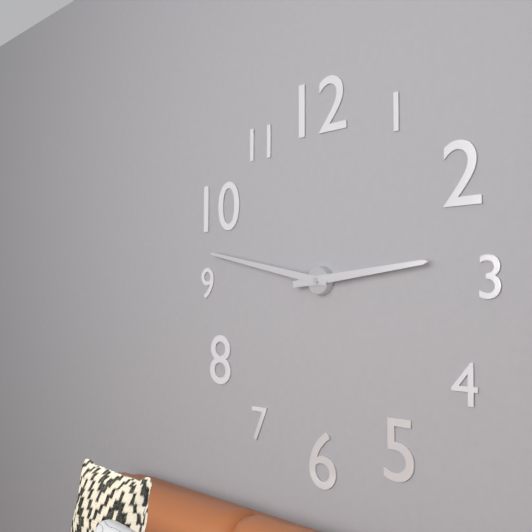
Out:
2.47
